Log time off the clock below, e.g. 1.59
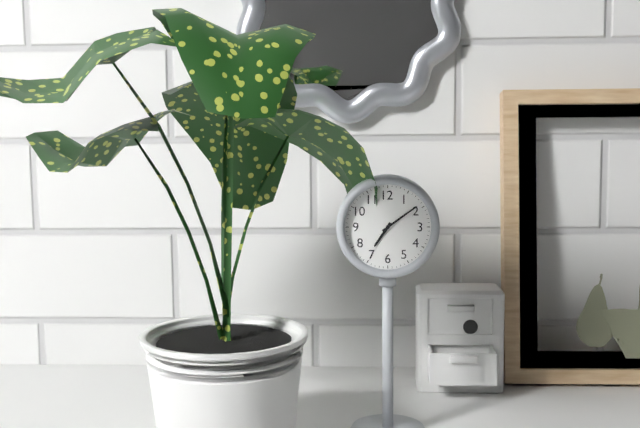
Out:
7.09
